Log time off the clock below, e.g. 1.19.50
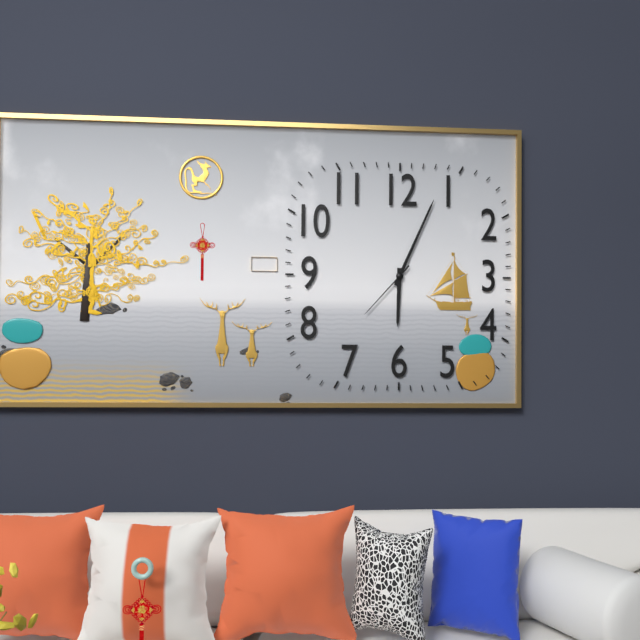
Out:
6.04.37
